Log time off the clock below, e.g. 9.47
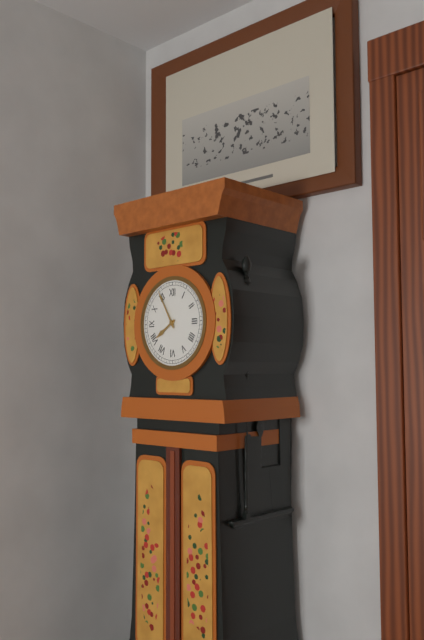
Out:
7.55
